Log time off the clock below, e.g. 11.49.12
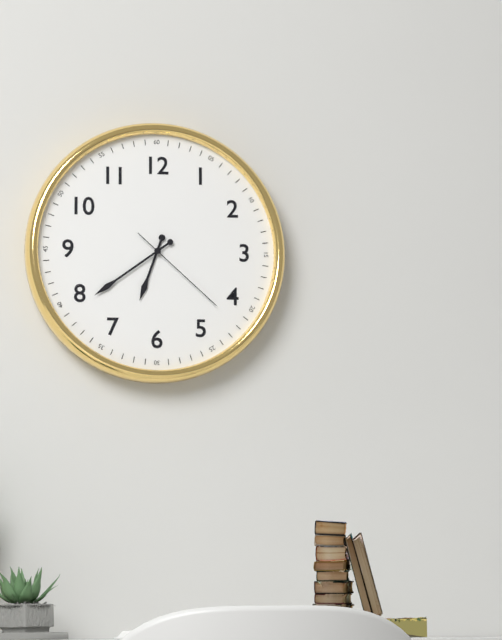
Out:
6.39.22
